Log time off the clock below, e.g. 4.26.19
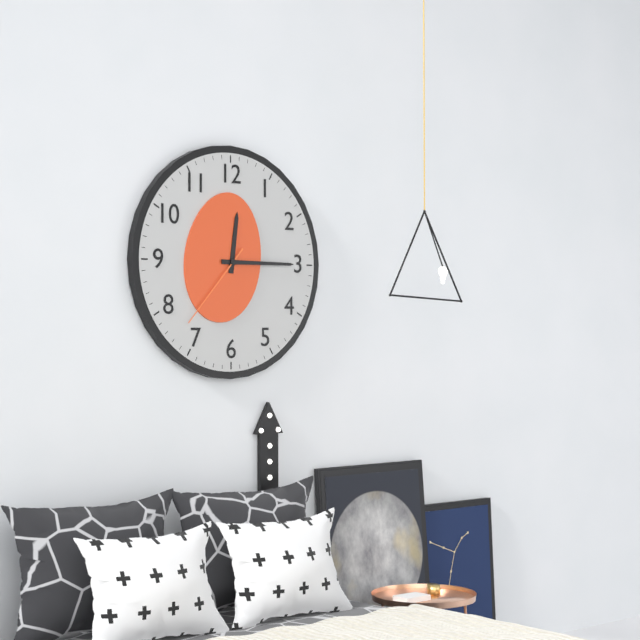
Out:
12.15.37
